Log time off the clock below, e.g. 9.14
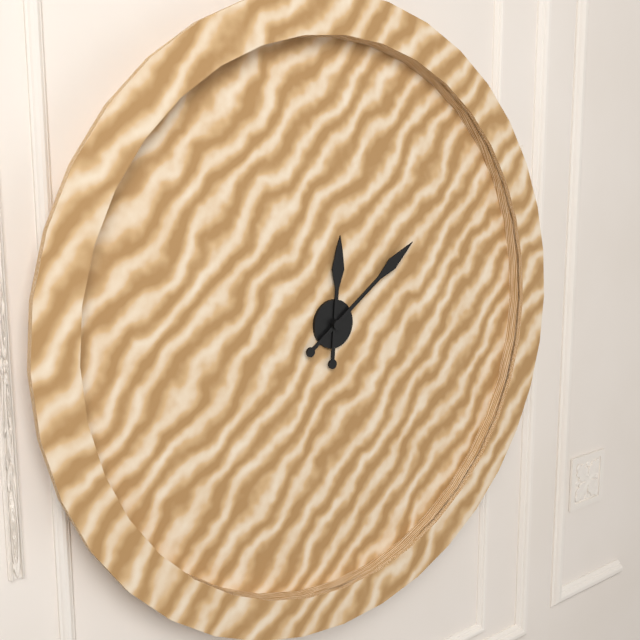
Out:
12.09
